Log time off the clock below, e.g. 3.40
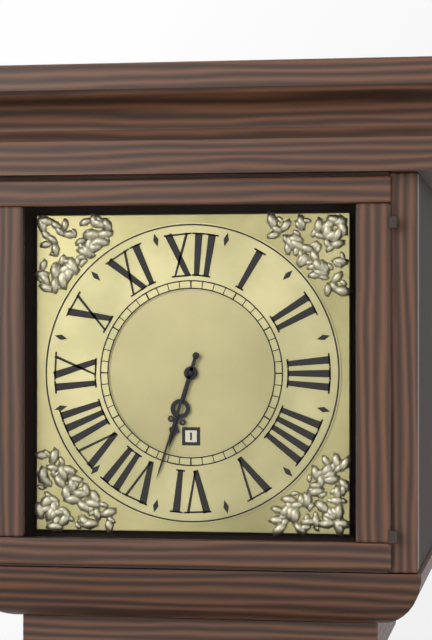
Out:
6.33
